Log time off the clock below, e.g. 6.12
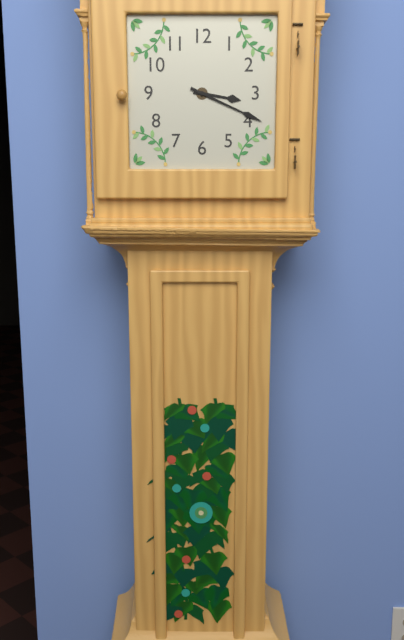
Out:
3.19
